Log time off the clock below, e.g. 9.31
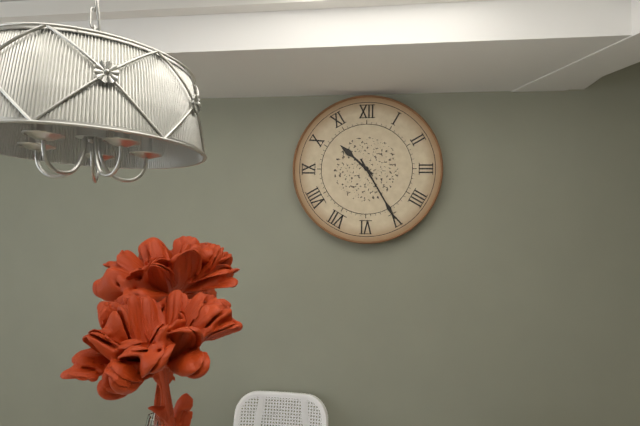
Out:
10.25
